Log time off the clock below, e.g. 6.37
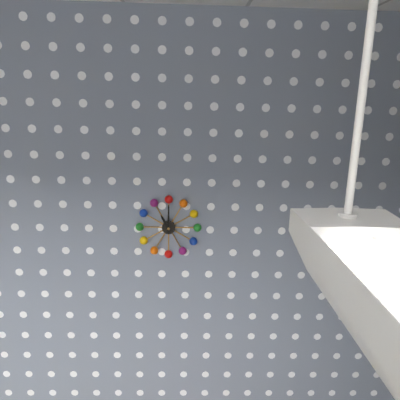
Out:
11.00
